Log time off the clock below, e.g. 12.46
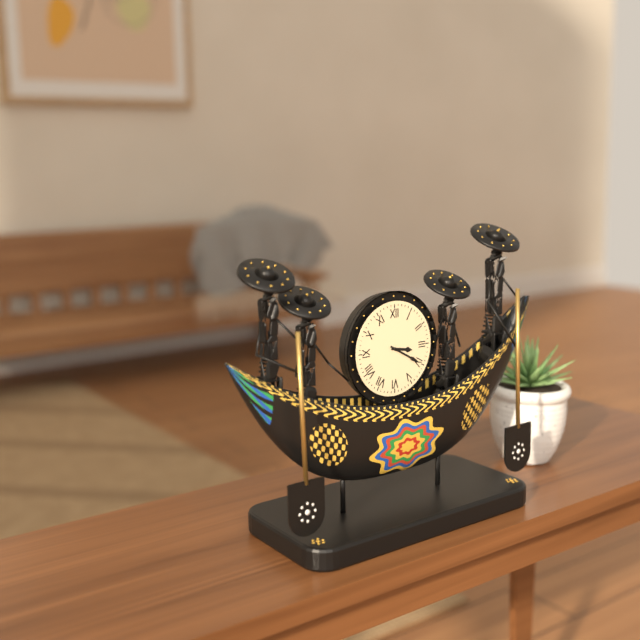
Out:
3.20
